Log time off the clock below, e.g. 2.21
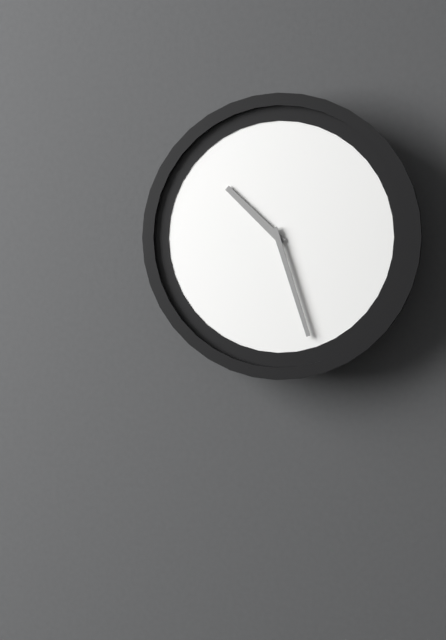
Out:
10.27
